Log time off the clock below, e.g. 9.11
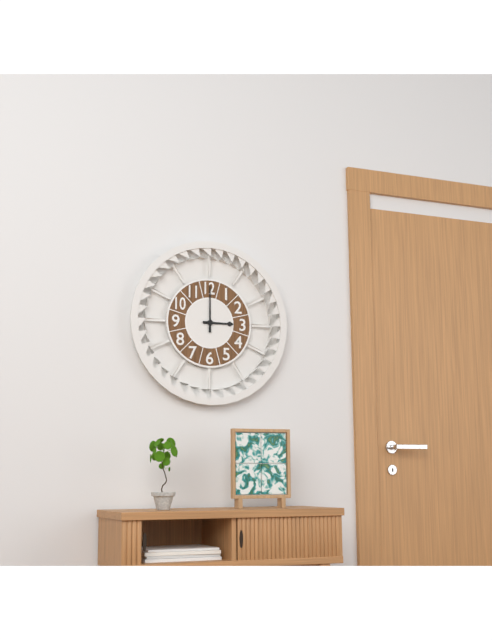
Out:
3.00
